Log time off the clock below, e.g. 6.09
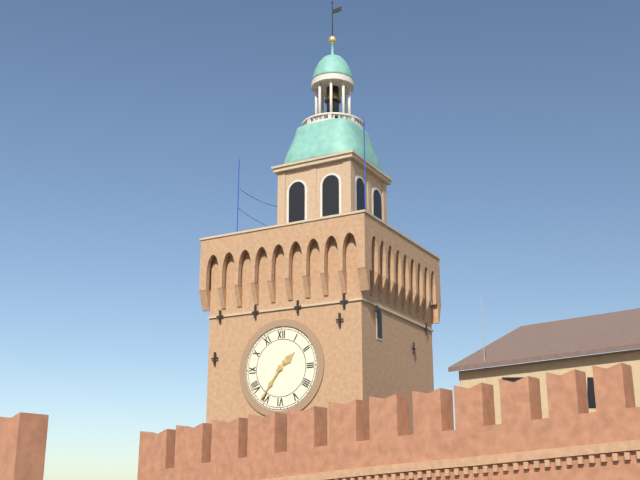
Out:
1.36
